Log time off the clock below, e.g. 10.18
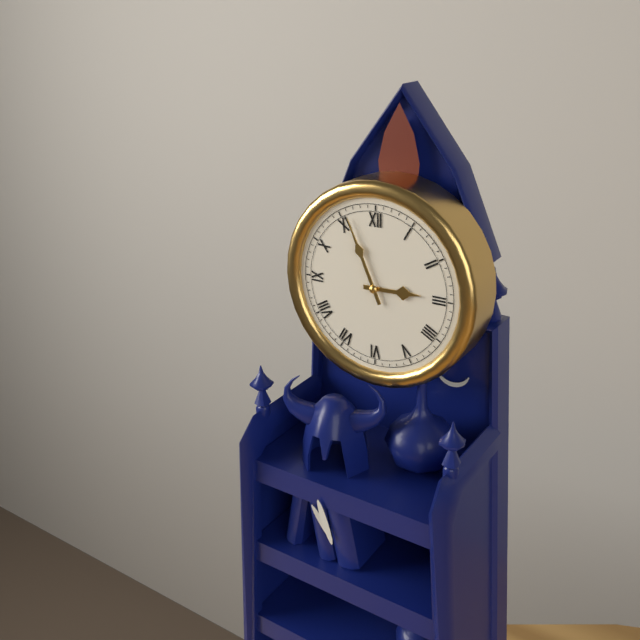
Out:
2.56
